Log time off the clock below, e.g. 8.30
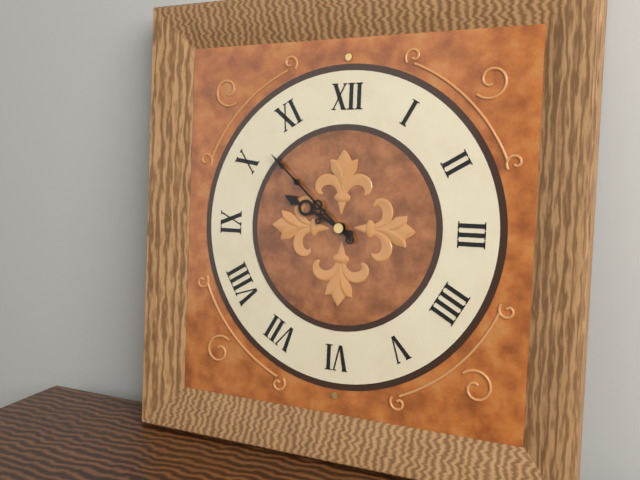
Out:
9.52
